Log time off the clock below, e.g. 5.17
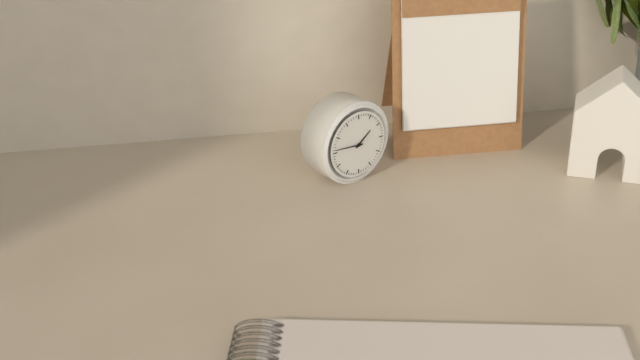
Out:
1.46
